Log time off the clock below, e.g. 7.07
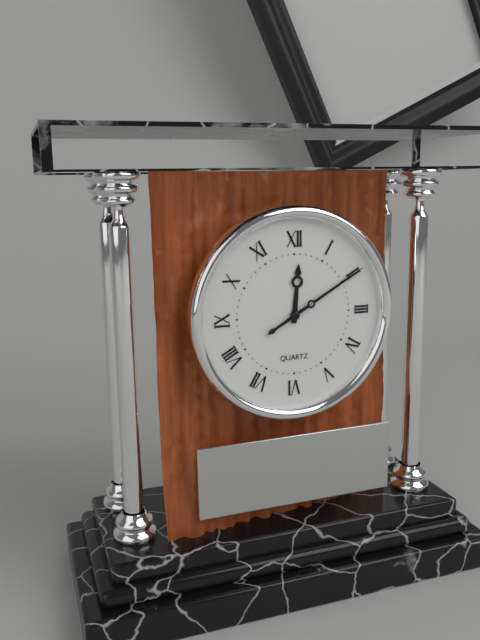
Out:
12.10
